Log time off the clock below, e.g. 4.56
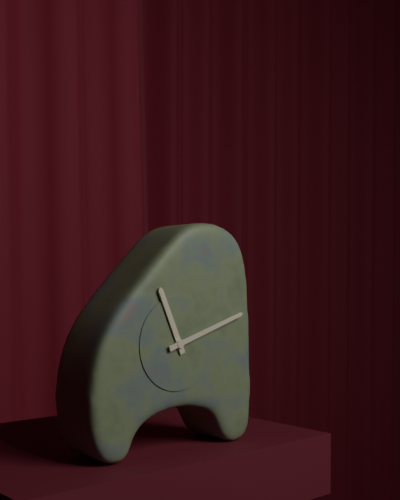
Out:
11.12
